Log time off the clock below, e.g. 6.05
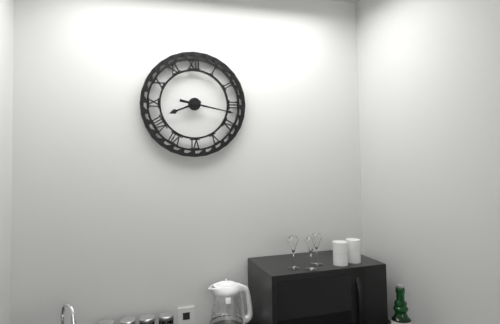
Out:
8.17
